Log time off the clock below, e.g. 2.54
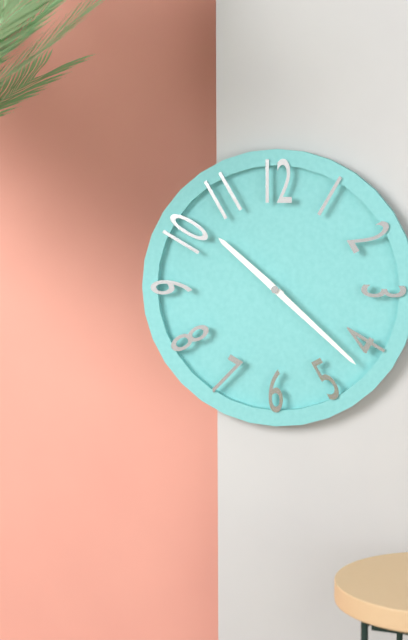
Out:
10.22
